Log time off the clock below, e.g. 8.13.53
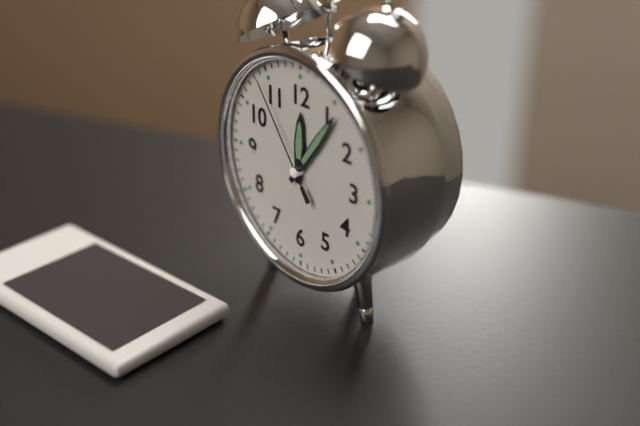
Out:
12.06.54
